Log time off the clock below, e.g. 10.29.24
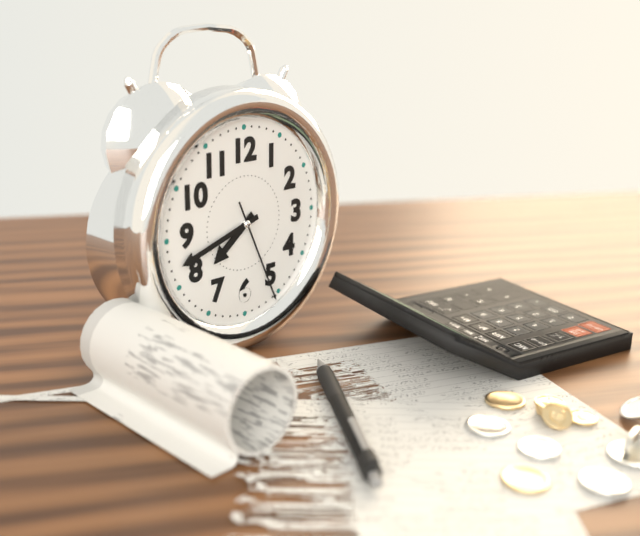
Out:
7.42.26
